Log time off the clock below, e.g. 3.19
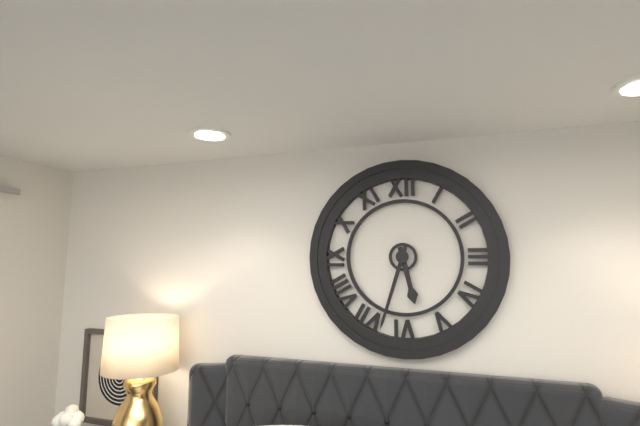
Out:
5.33
